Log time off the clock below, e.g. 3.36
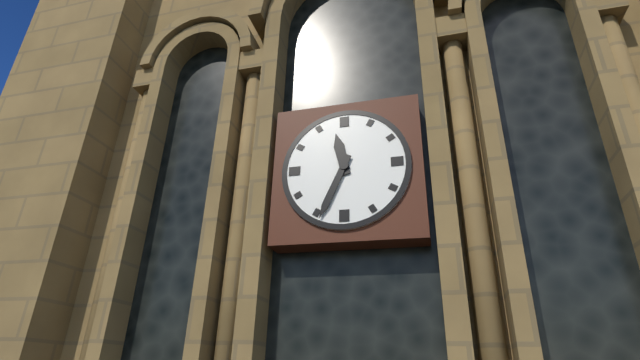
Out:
11.34
